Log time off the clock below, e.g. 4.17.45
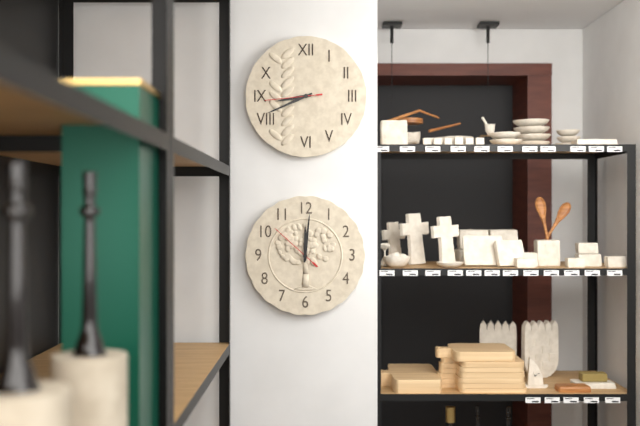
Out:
8.41.44
